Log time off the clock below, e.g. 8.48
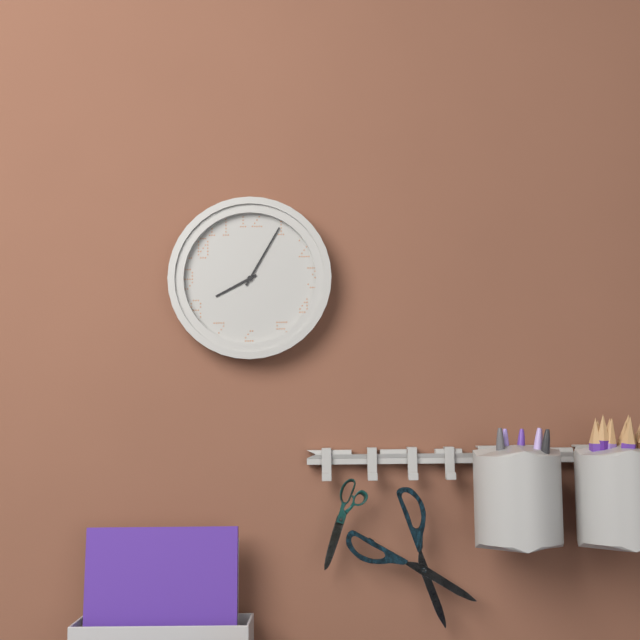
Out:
8.05
